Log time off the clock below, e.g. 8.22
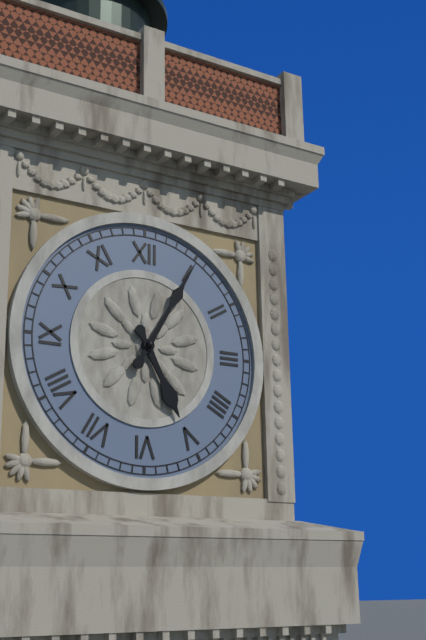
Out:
5.05
